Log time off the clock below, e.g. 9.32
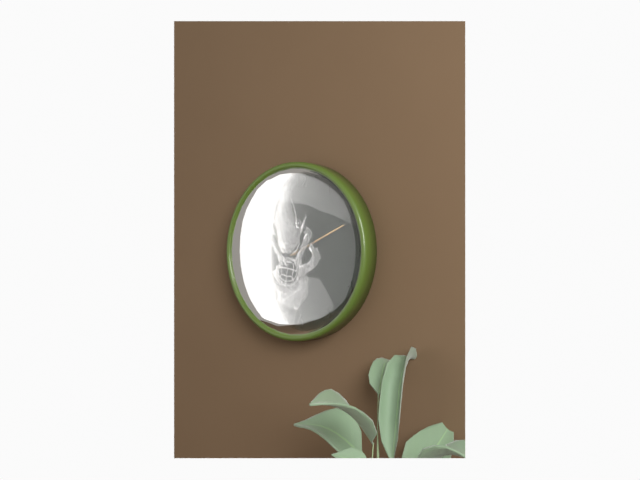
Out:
2.11
